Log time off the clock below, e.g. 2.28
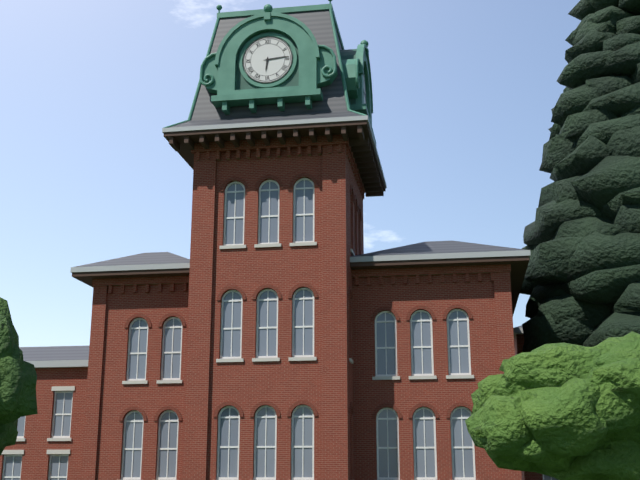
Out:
6.14
